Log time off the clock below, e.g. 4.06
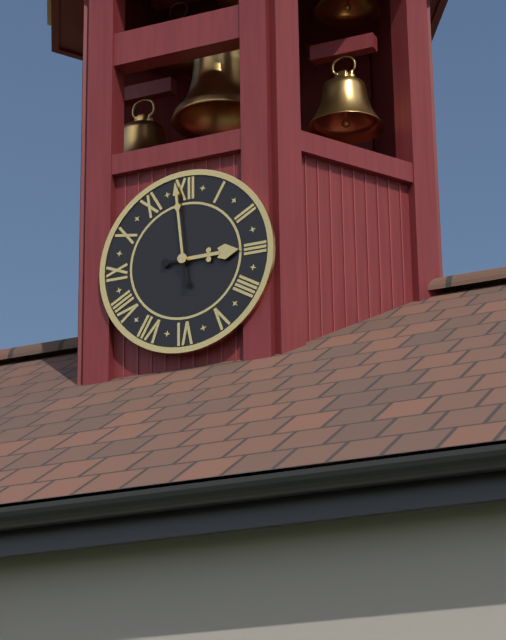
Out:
2.59
